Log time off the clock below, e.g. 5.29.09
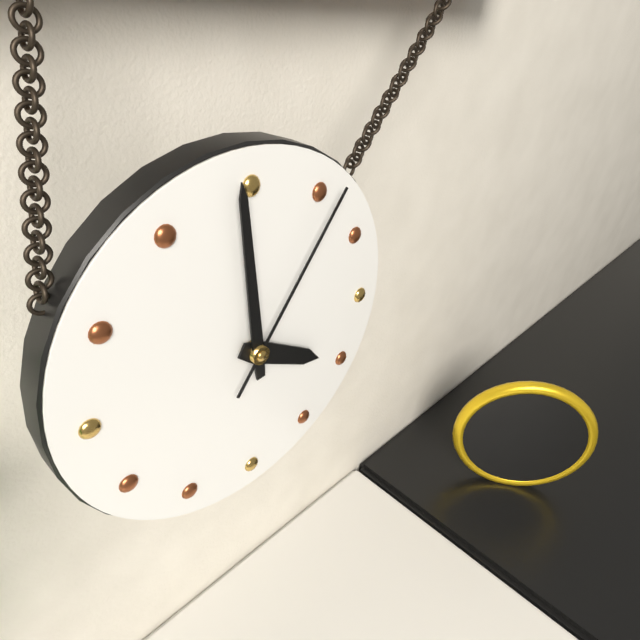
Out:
3.59.06
